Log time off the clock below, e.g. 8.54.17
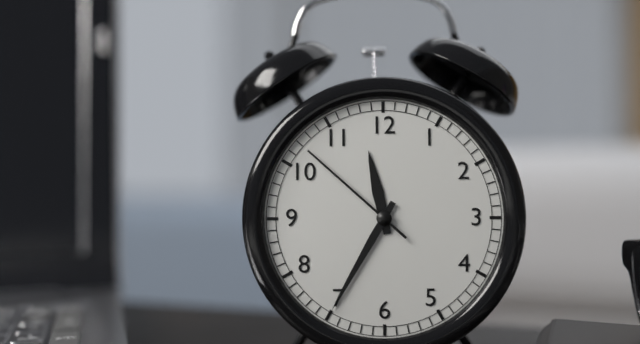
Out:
11.35.52
